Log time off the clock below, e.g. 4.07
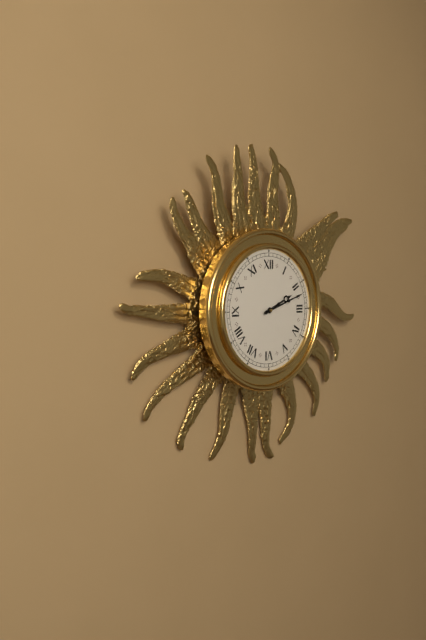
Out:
2.12
